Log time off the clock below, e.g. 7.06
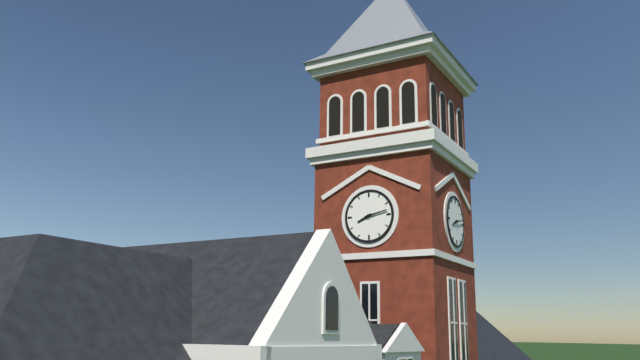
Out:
8.13
